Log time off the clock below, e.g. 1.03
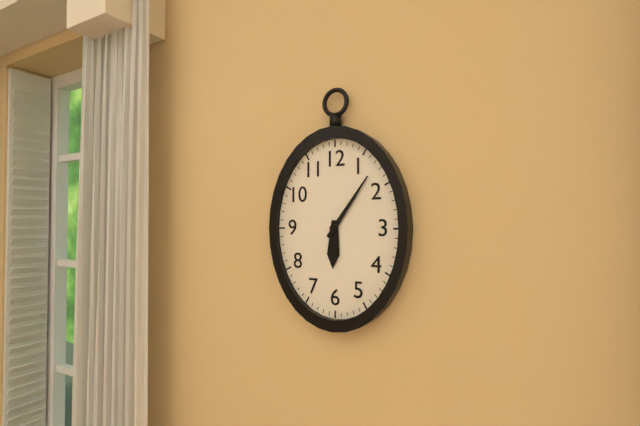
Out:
6.06
